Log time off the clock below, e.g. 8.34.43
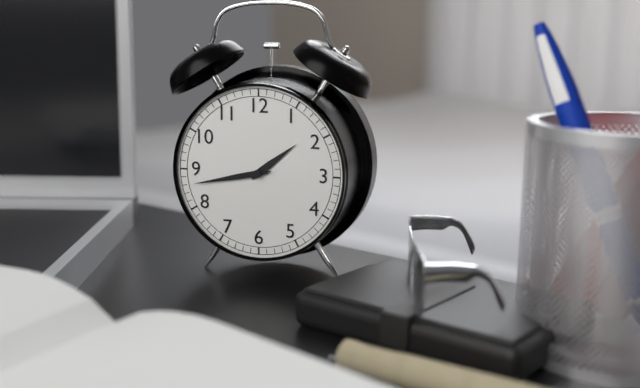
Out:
1.43.43
